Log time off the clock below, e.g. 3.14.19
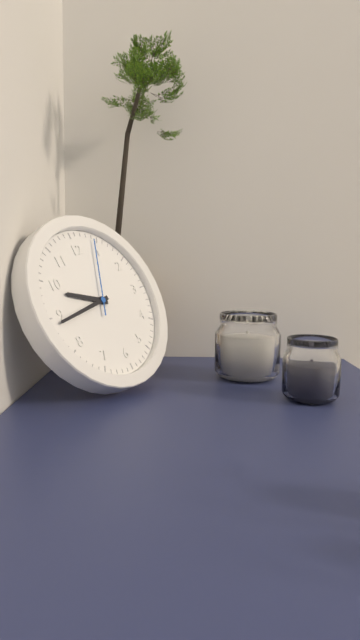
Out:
9.44.04
